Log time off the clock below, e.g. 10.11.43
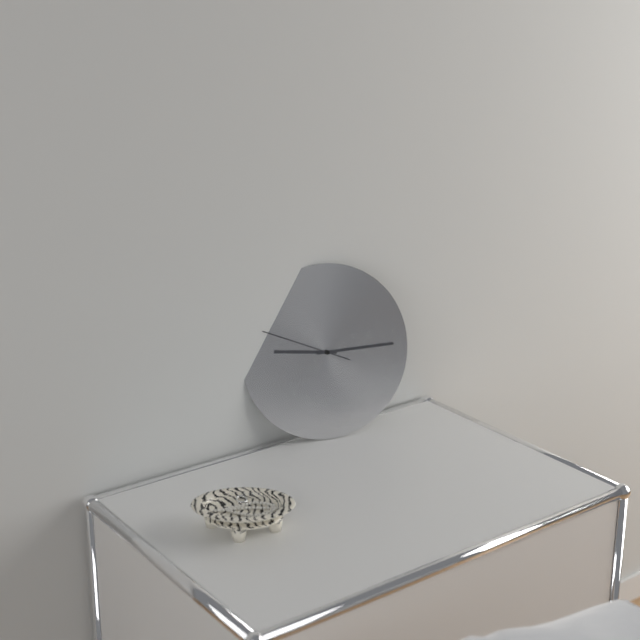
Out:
9.15.49
